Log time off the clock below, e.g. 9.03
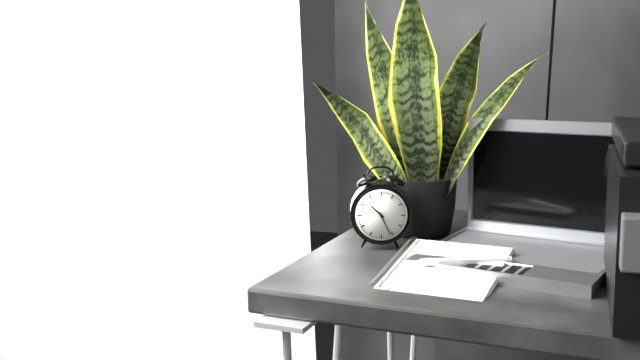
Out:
10.26
